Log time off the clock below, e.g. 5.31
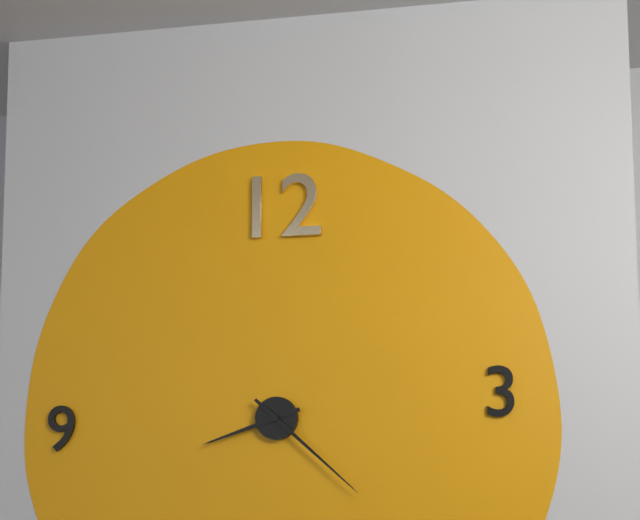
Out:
8.22
